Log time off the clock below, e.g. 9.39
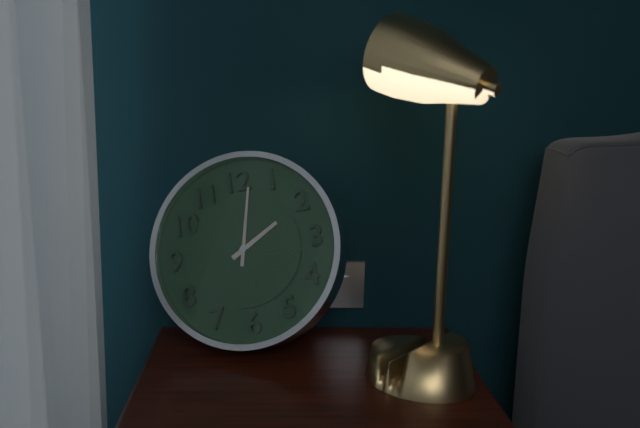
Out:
2.02
